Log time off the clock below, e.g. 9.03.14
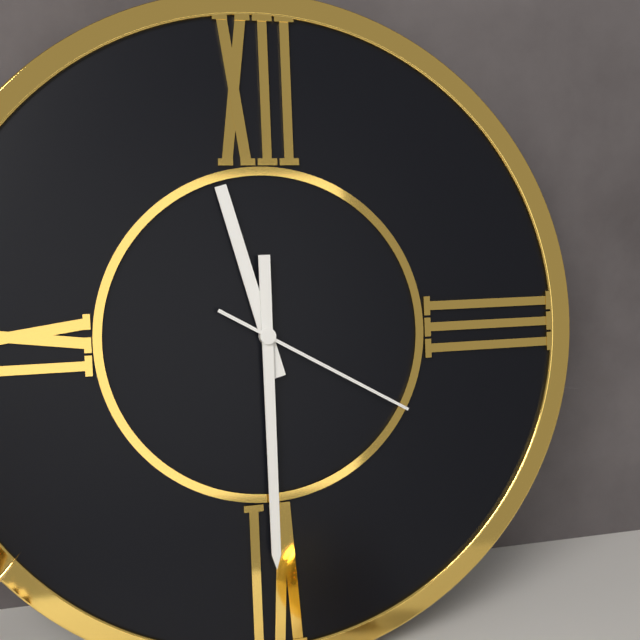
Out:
11.30.20
